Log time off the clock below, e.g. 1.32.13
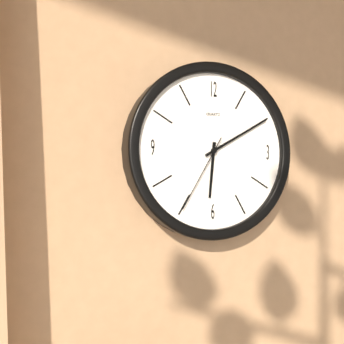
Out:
6.10.35
